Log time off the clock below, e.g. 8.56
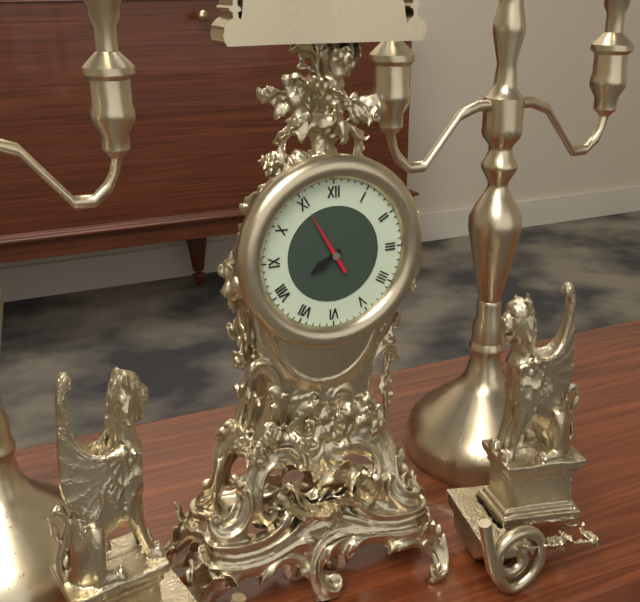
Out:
7.55
